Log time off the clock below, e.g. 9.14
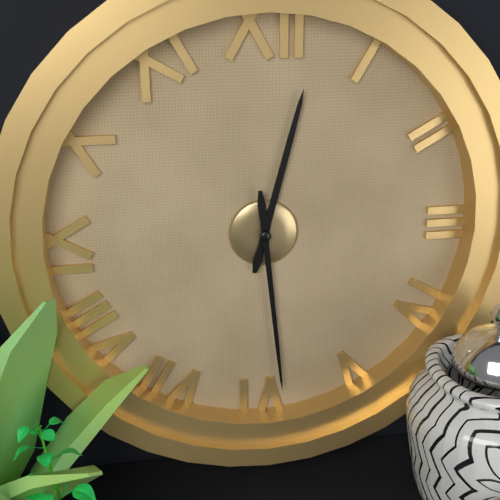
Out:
12.29
